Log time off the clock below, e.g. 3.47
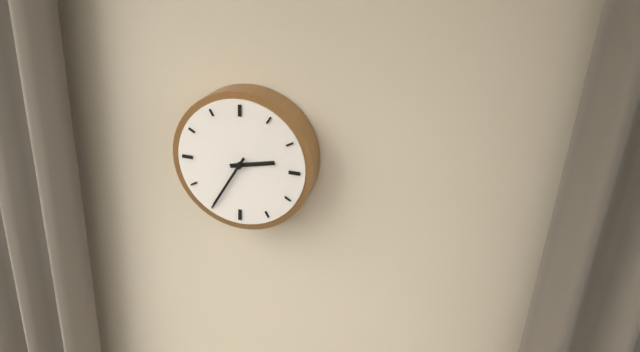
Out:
2.35
